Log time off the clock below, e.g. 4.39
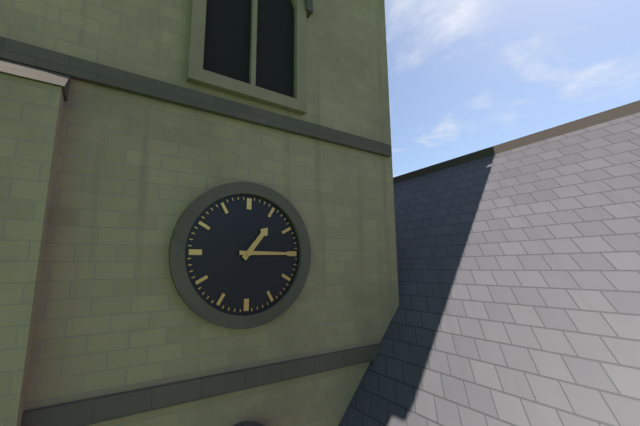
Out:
1.15
